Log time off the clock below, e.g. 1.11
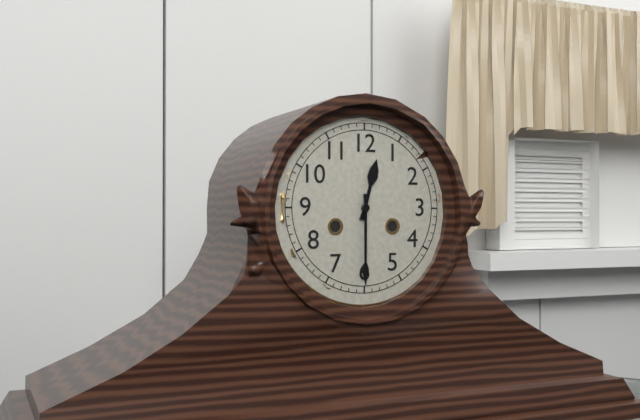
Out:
12.30
